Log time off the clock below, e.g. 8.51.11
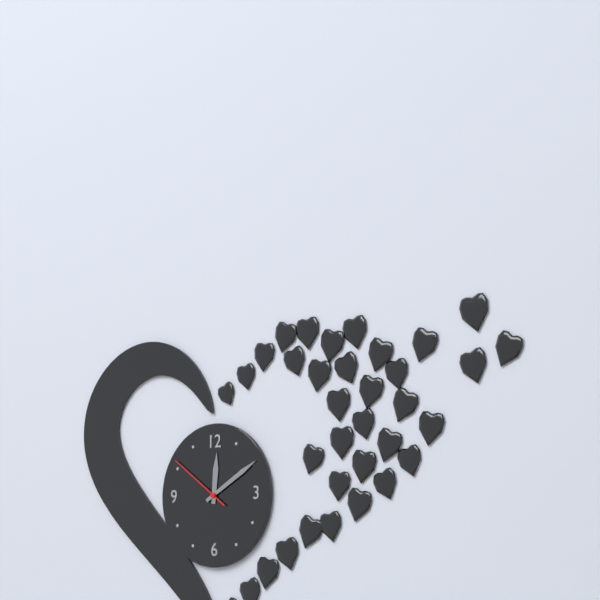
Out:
12.10.51
